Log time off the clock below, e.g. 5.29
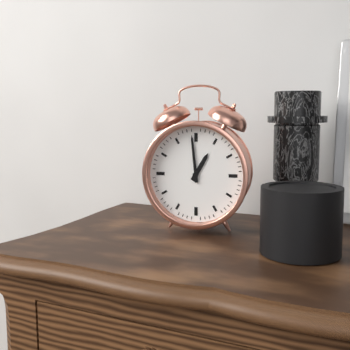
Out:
12.59
